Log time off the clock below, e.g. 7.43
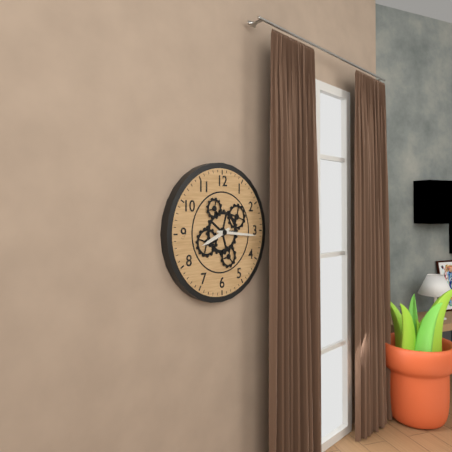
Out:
8.16
